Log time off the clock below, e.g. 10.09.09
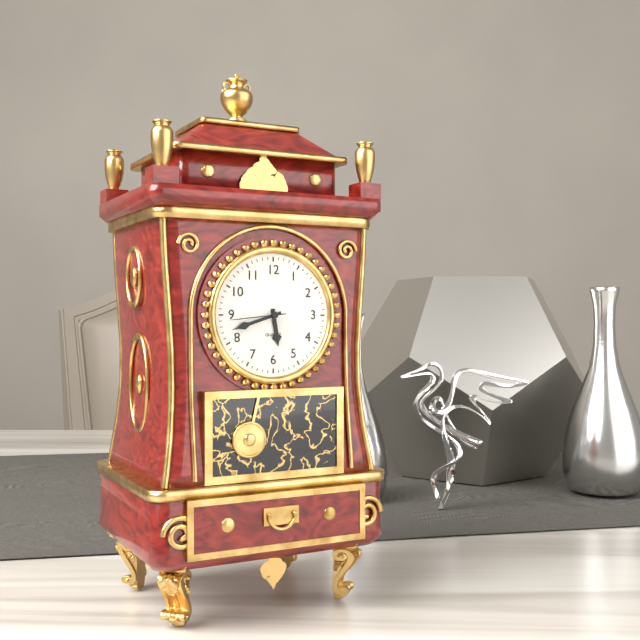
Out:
5.42.44
